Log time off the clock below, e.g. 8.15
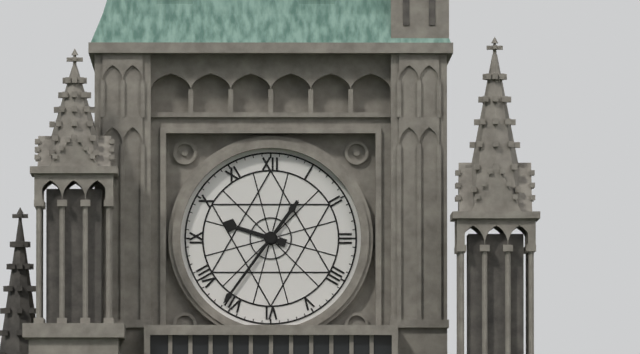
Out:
9.36
